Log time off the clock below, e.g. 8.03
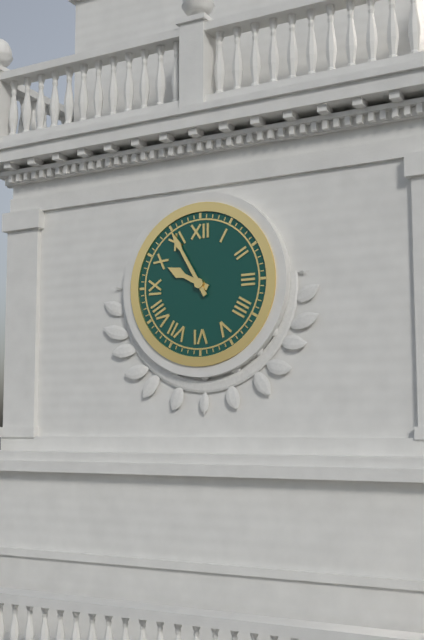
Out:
9.55
